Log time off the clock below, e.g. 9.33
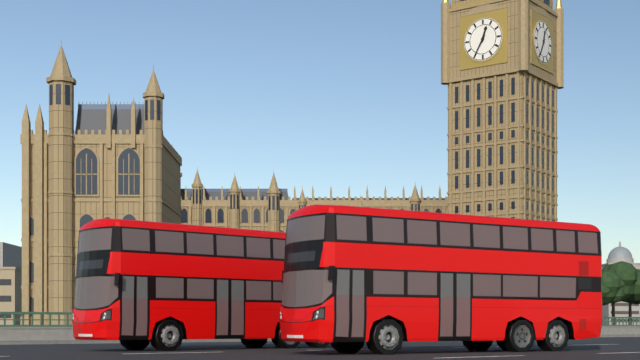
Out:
12.35
